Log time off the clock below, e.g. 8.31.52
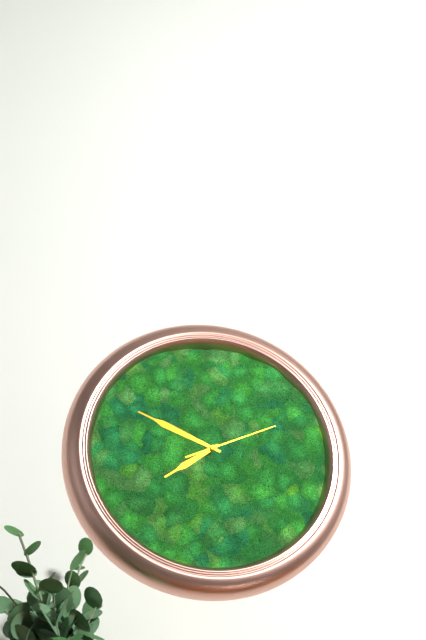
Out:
7.49.11
